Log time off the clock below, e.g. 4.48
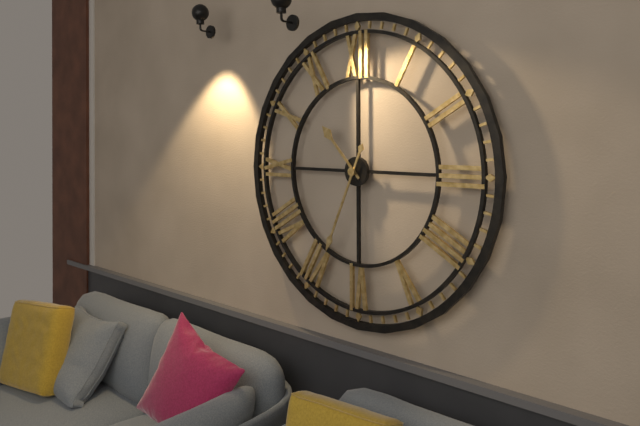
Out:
10.34
